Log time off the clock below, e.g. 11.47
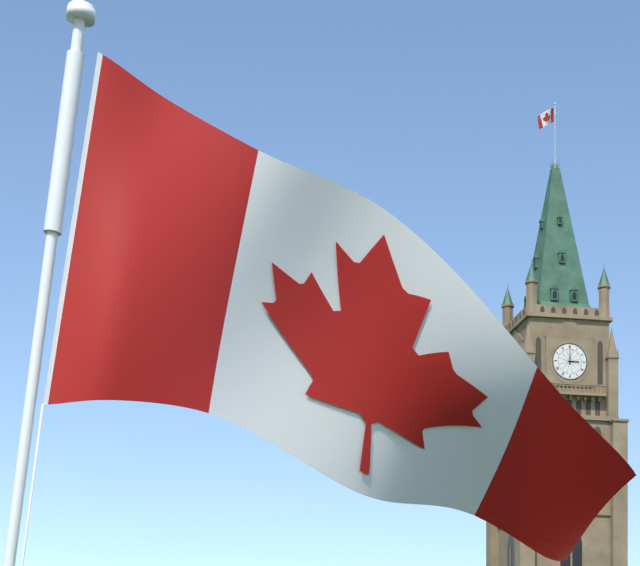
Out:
3.00
